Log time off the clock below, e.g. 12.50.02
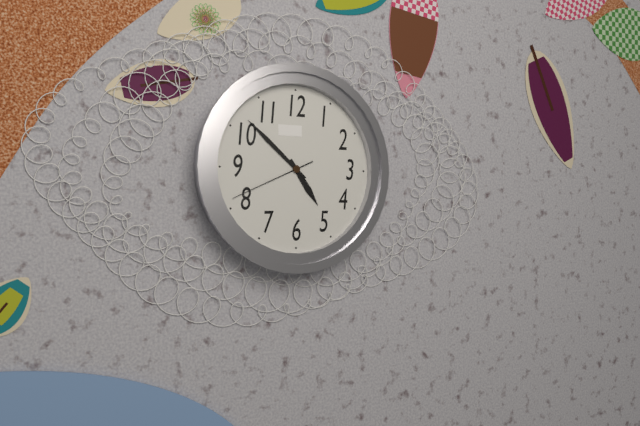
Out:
4.52.41
